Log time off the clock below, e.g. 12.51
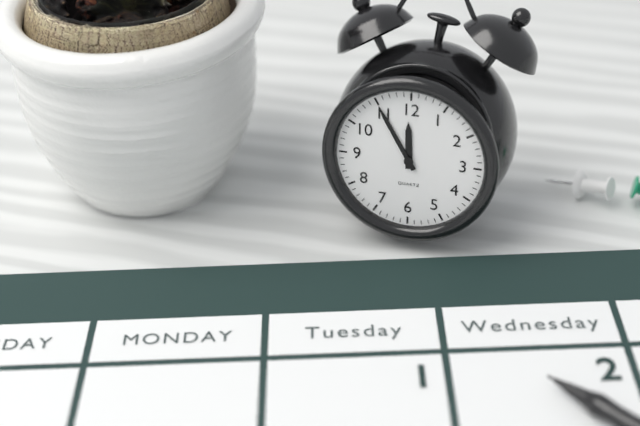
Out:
11.55
